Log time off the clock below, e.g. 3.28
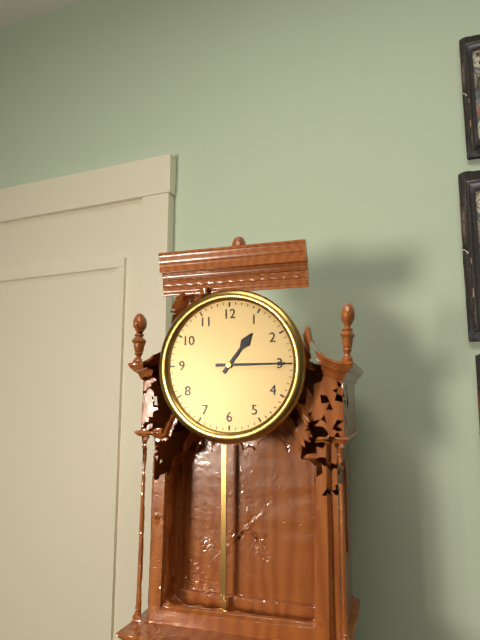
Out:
1.15
